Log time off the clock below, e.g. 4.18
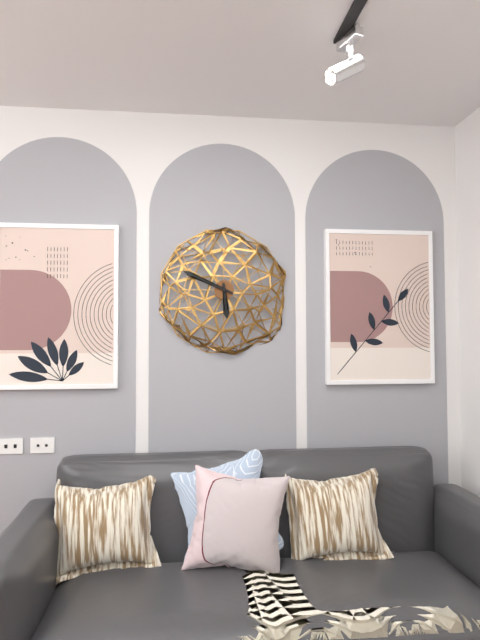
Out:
5.49
